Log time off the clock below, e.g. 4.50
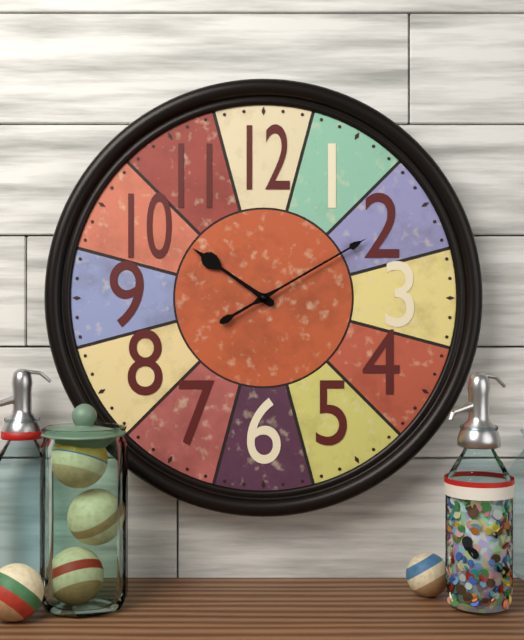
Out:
10.10
